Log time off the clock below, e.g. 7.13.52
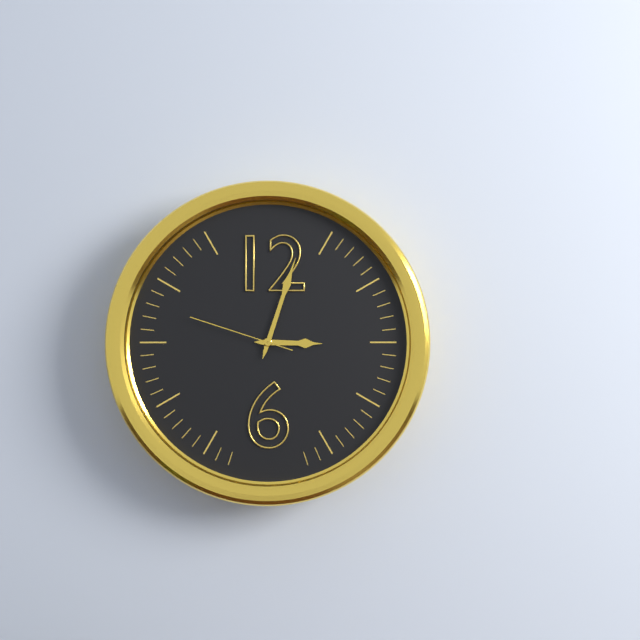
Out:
3.03.48
